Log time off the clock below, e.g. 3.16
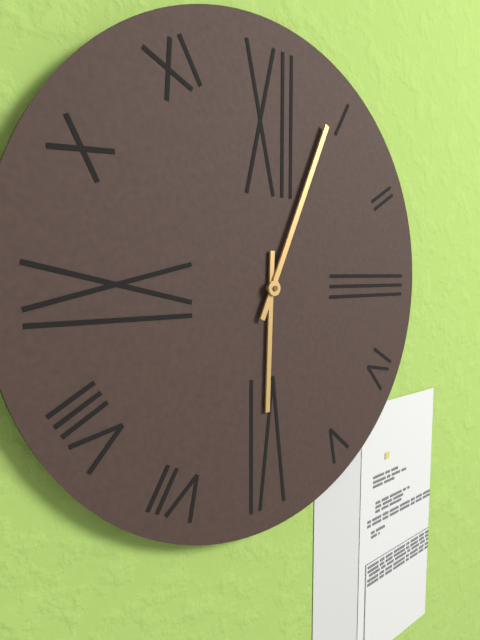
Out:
6.04
